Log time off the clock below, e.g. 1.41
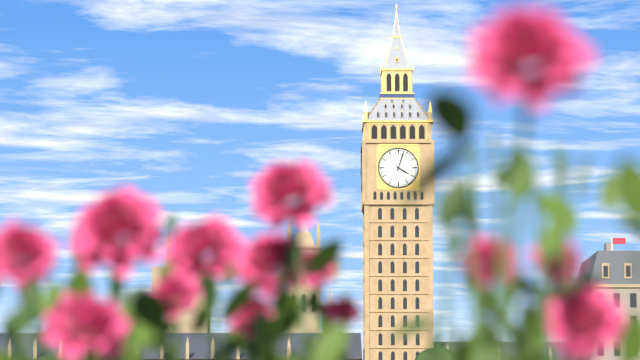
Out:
4.03
